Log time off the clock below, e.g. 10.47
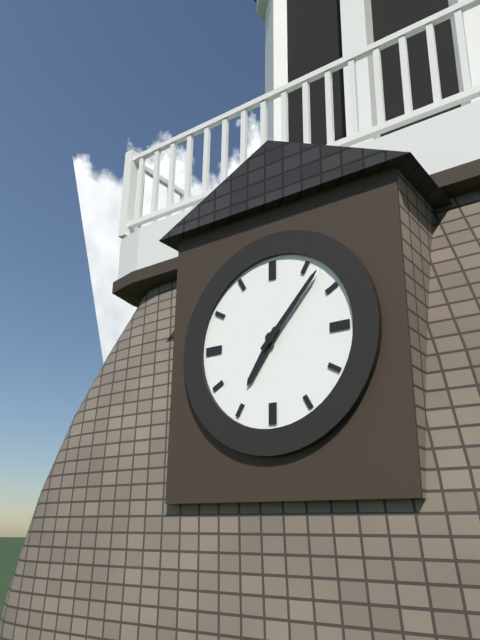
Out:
7.07
